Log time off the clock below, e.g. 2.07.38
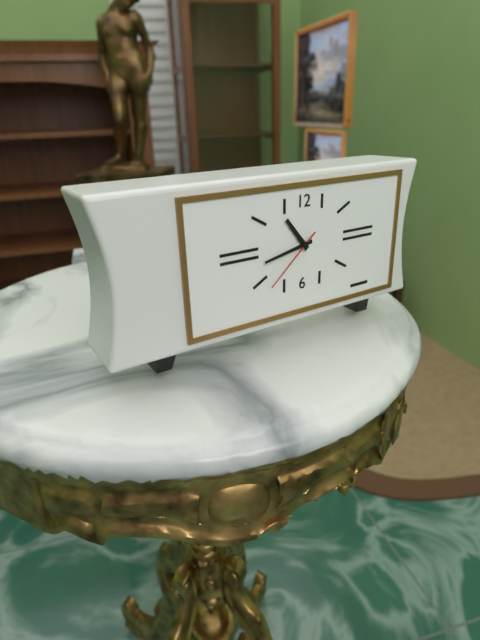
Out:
10.43.38
